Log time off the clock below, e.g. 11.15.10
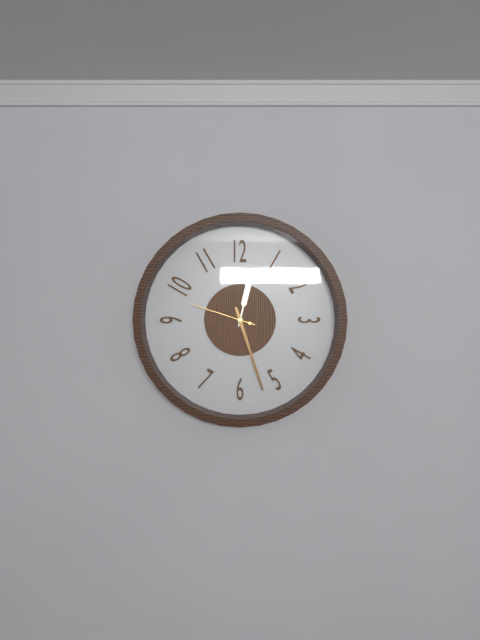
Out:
12.27.48
